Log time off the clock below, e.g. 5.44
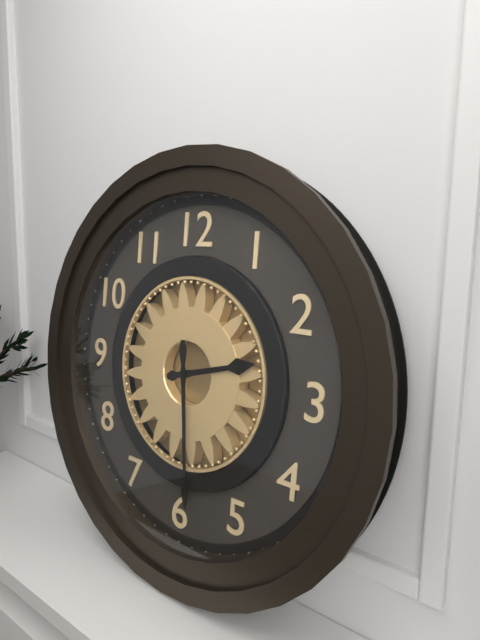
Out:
2.29
